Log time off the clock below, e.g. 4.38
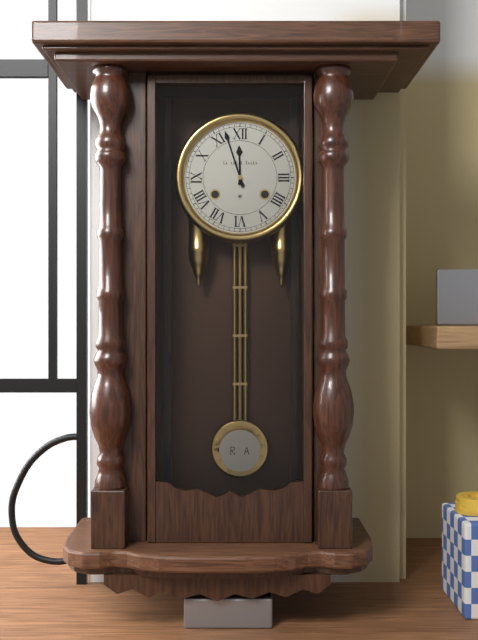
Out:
11.57
